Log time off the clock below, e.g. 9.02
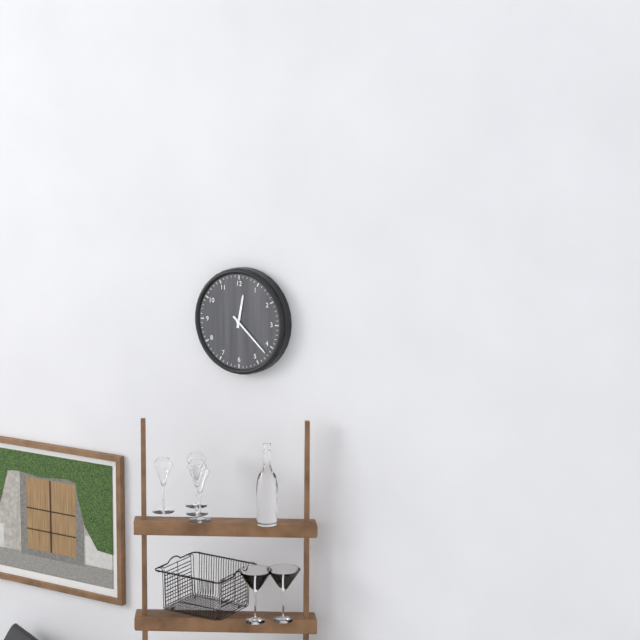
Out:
12.22
